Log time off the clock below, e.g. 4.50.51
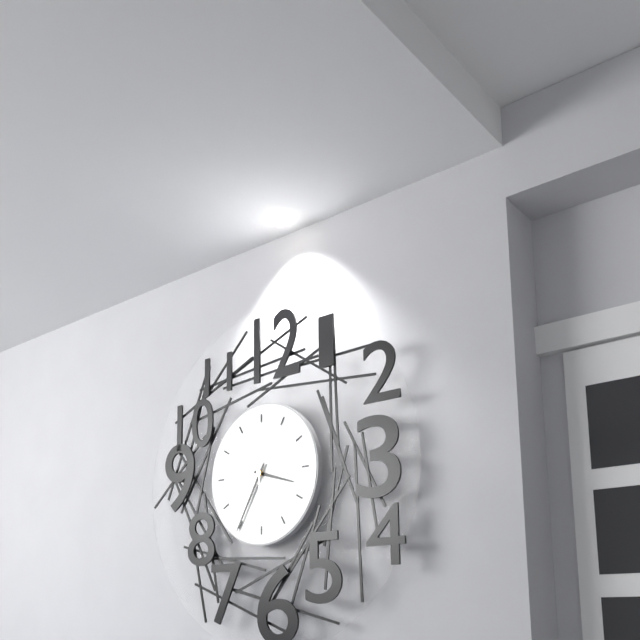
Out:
3.35.00
